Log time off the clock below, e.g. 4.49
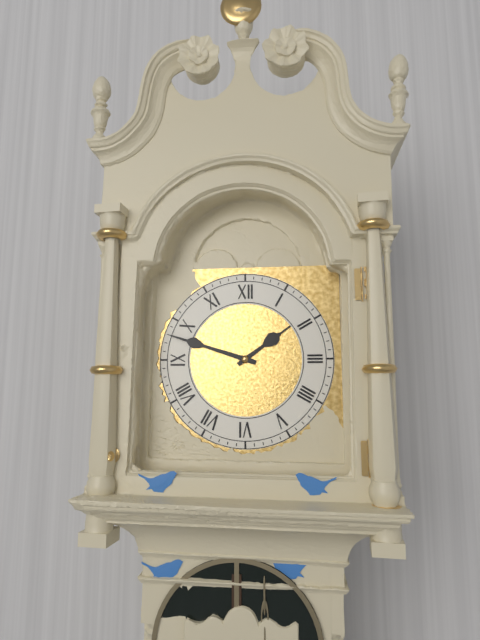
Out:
1.48
